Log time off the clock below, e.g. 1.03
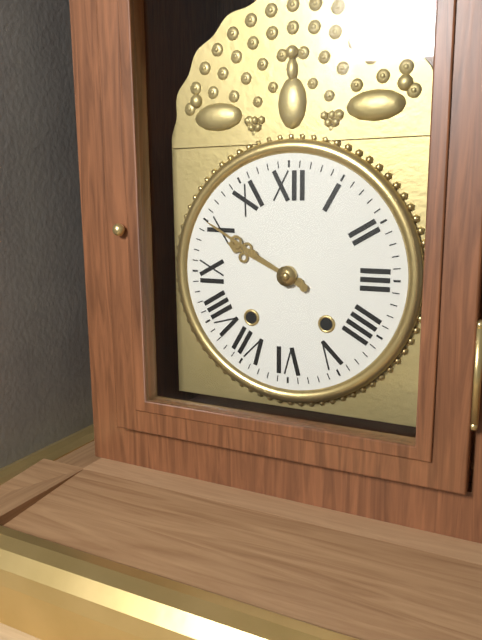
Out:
9.50
